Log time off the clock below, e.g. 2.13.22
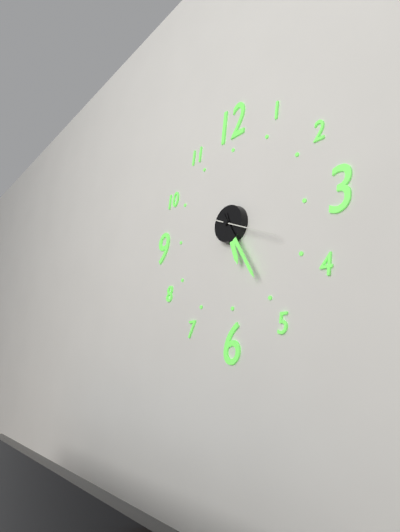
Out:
5.25.19
